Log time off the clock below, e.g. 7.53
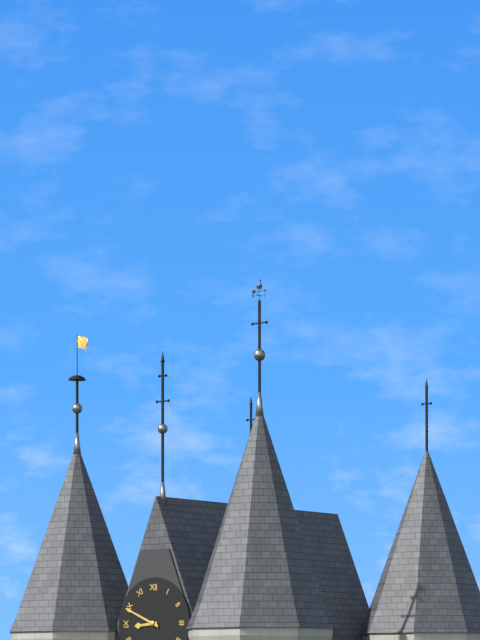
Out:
8.49
